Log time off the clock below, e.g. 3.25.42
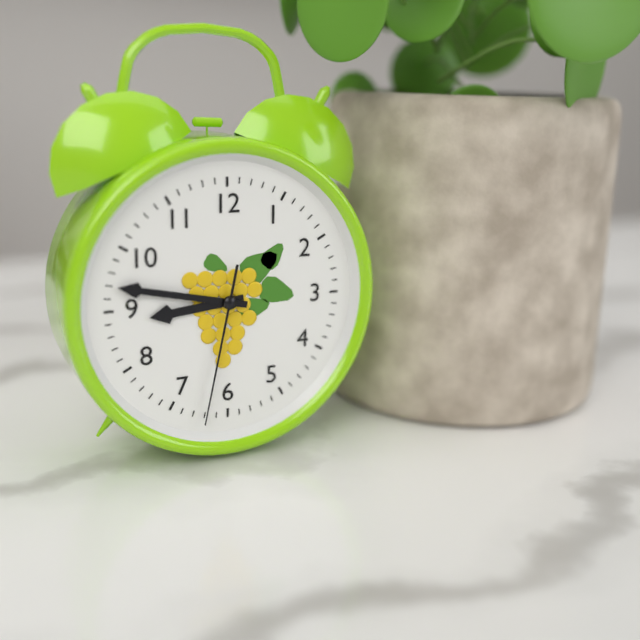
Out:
8.47.32
